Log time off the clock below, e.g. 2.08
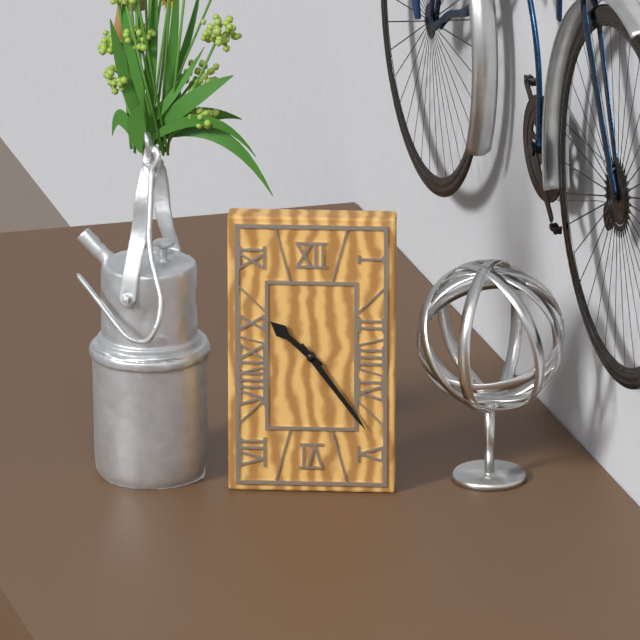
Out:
10.24
